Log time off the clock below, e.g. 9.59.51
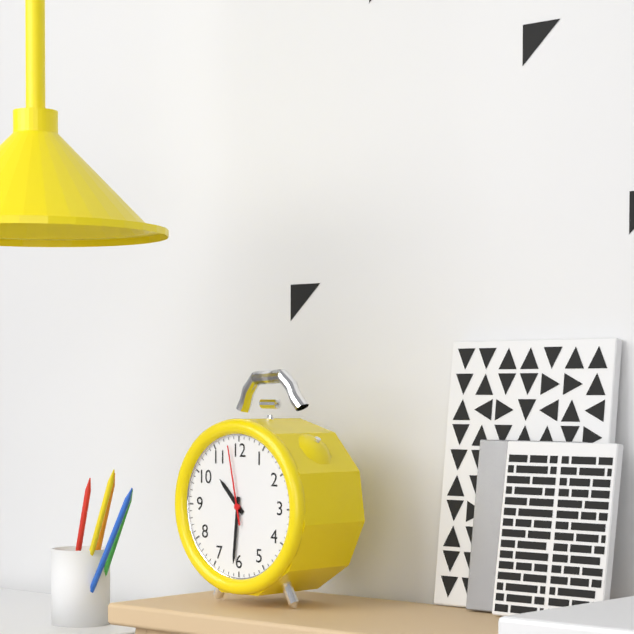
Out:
10.31.58
